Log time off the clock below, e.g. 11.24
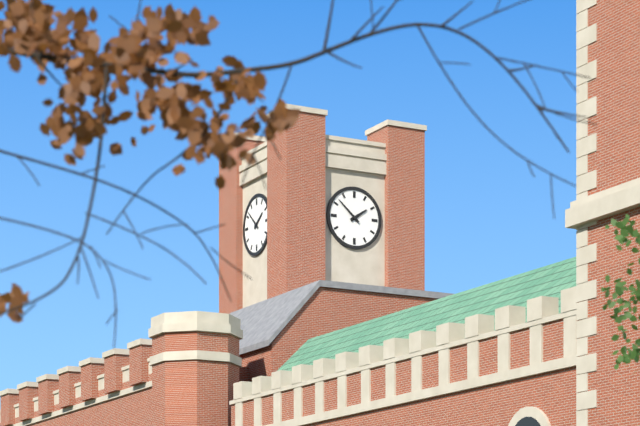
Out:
1.52
